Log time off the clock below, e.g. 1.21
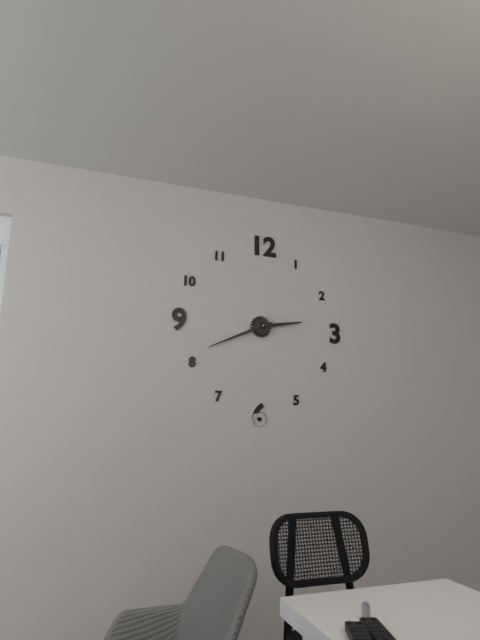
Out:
2.41
